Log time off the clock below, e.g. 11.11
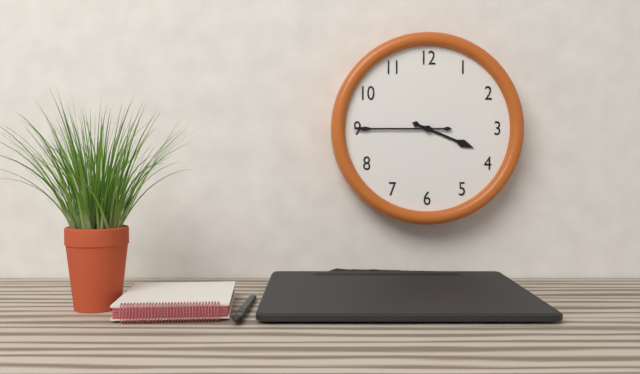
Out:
3.45
